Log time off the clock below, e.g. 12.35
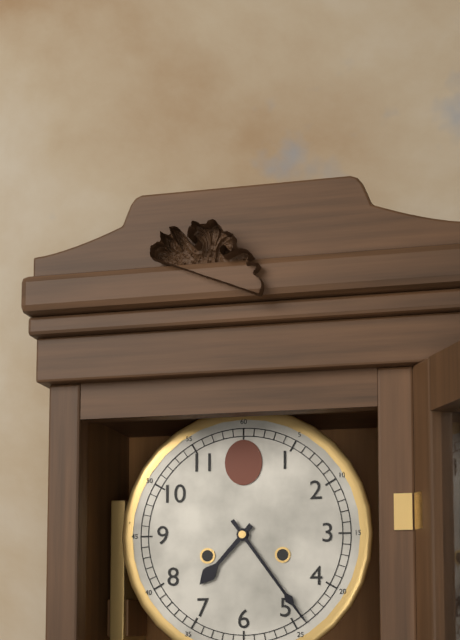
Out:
7.24
